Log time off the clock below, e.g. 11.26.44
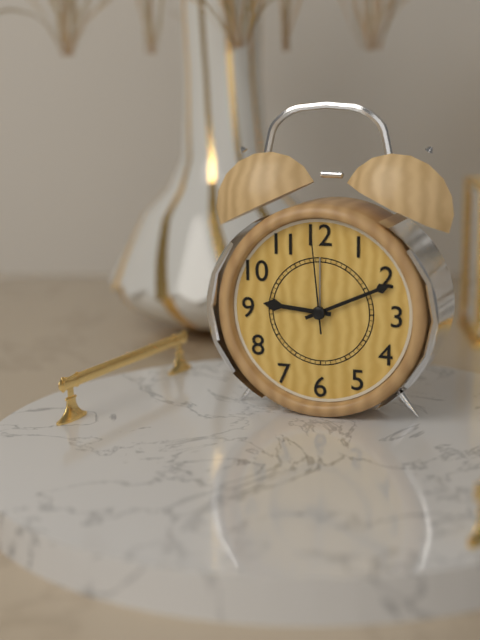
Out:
9.11.59
